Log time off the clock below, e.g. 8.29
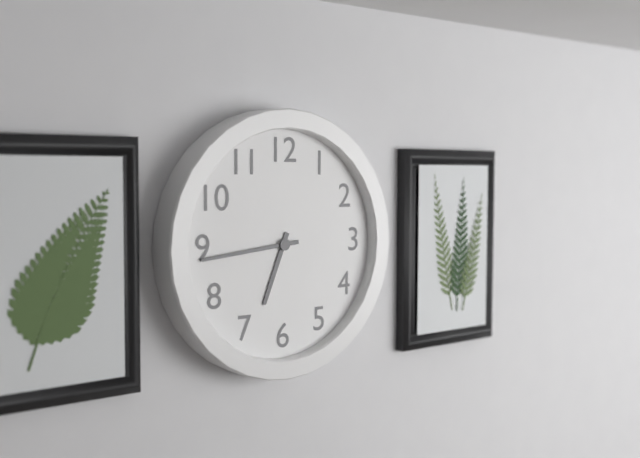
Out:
6.44
